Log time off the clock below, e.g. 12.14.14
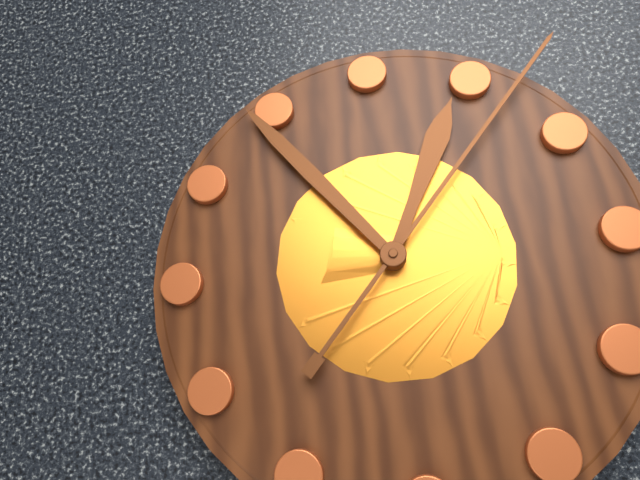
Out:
12.54.07
